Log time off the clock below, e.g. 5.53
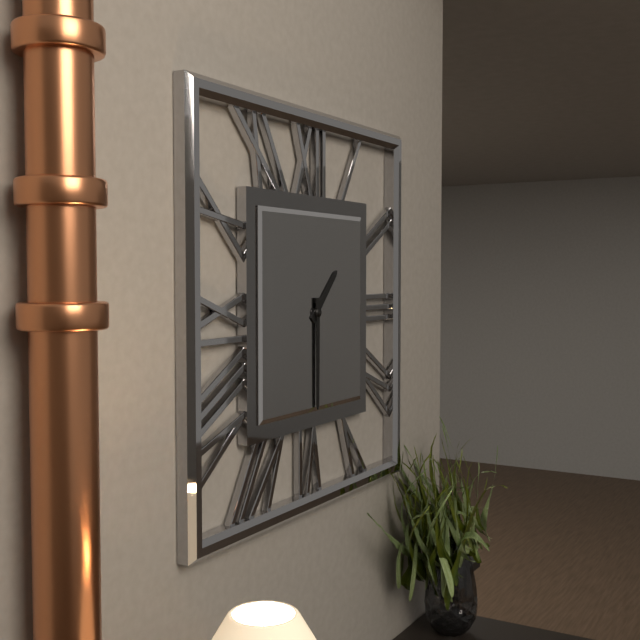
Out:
1.30
